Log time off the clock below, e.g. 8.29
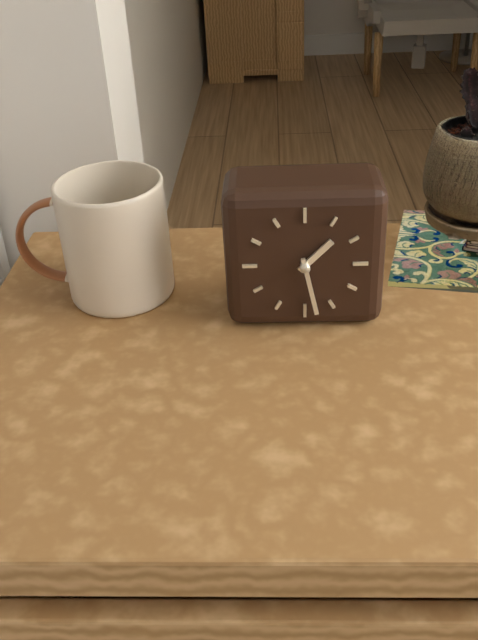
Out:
1.28
